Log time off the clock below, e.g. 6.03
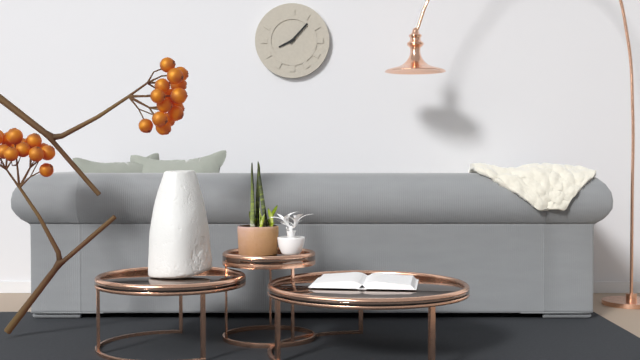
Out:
8.07
